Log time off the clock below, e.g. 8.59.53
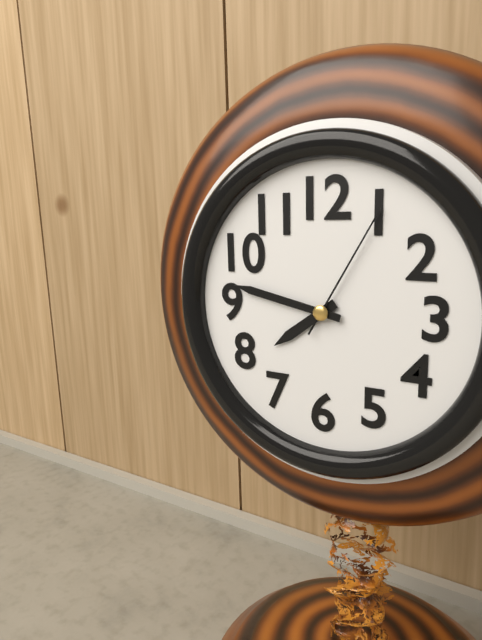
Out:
7.47.05
